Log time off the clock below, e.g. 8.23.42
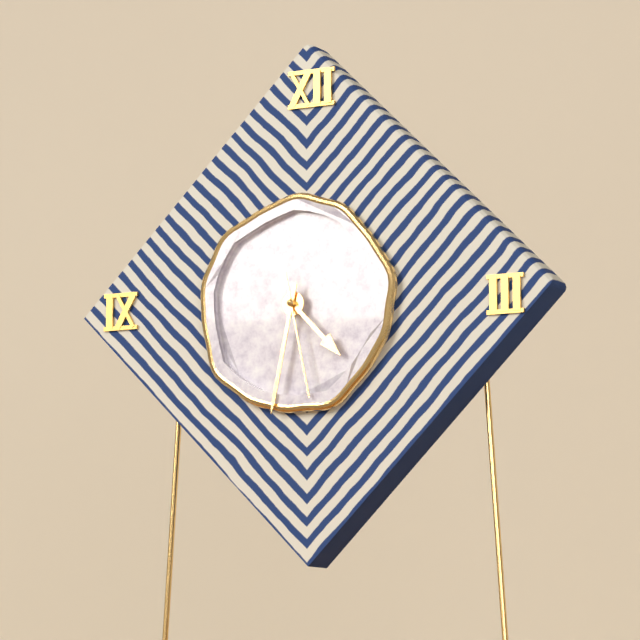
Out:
4.32.28
